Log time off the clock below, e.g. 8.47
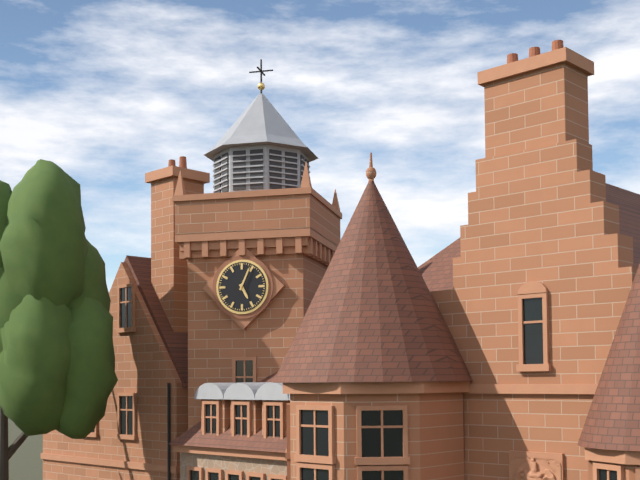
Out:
5.04
